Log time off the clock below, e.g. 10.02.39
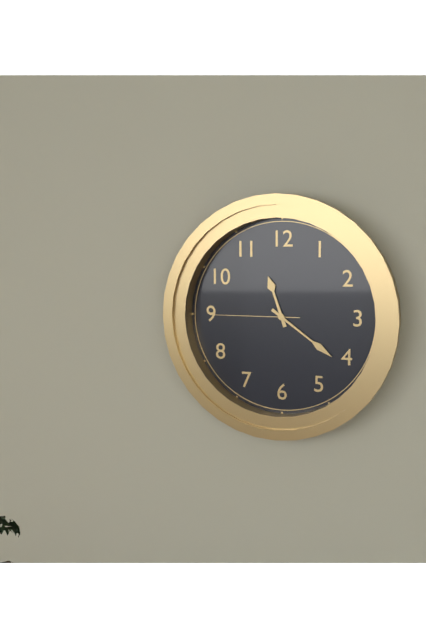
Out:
11.21.45
